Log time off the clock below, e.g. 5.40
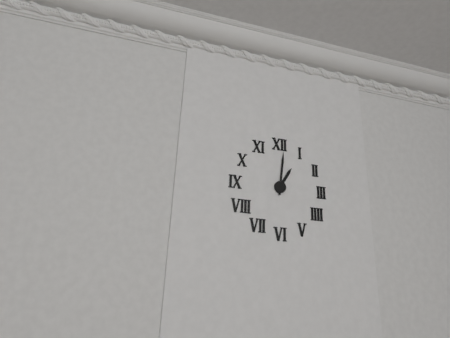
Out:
1.01
